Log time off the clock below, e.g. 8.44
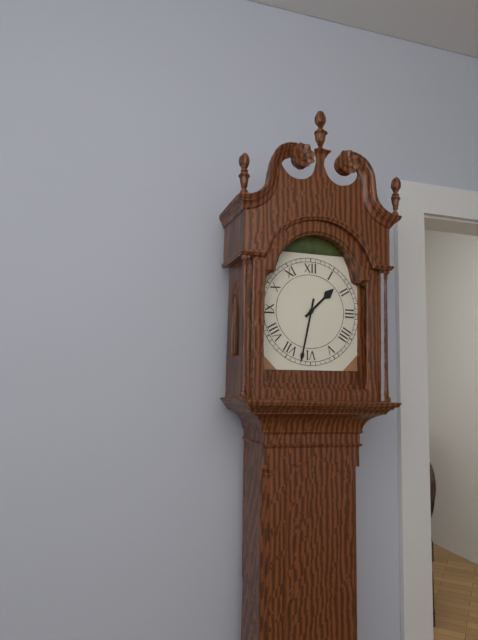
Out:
1.32
